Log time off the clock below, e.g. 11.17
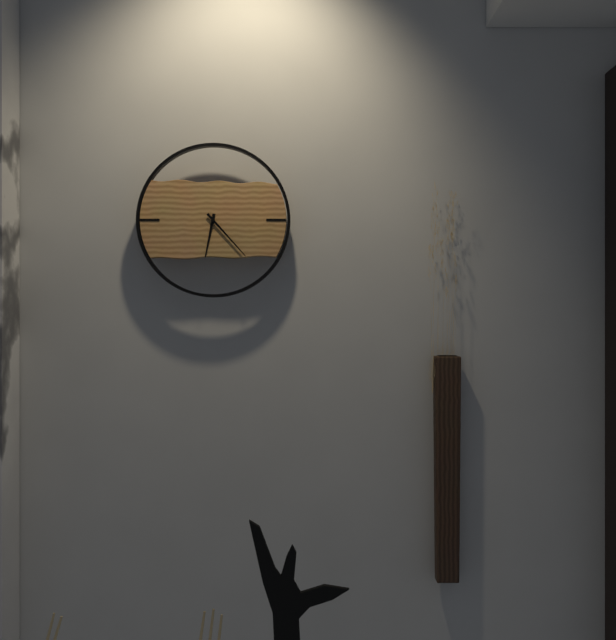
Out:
6.23
